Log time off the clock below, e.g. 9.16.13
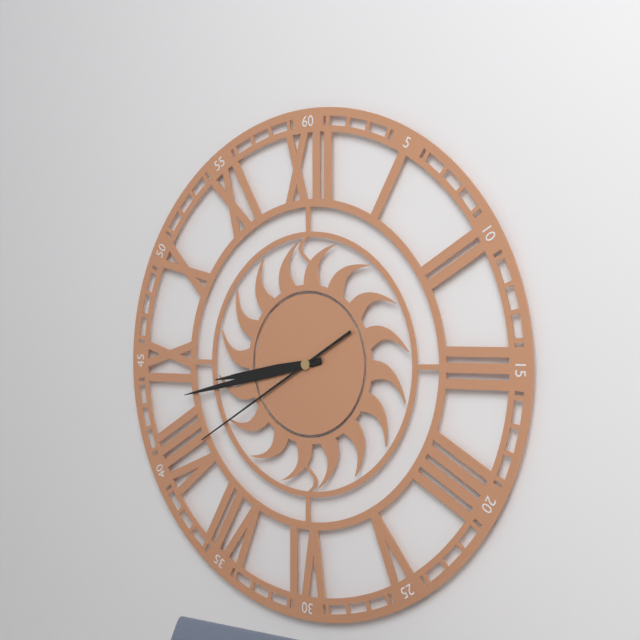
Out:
8.43.40
